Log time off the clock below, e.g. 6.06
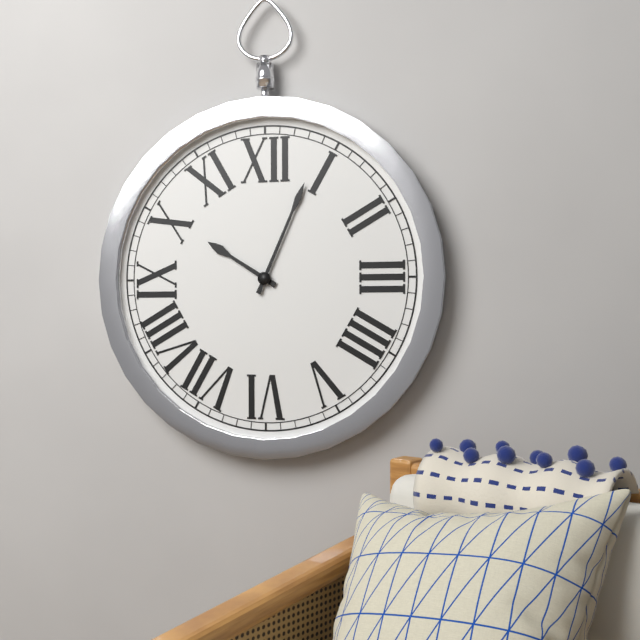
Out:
10.04
